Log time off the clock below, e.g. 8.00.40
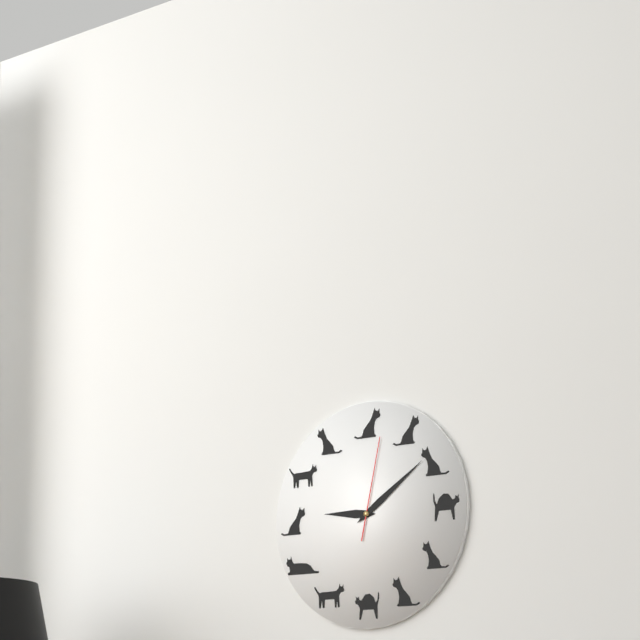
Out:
9.09.02
